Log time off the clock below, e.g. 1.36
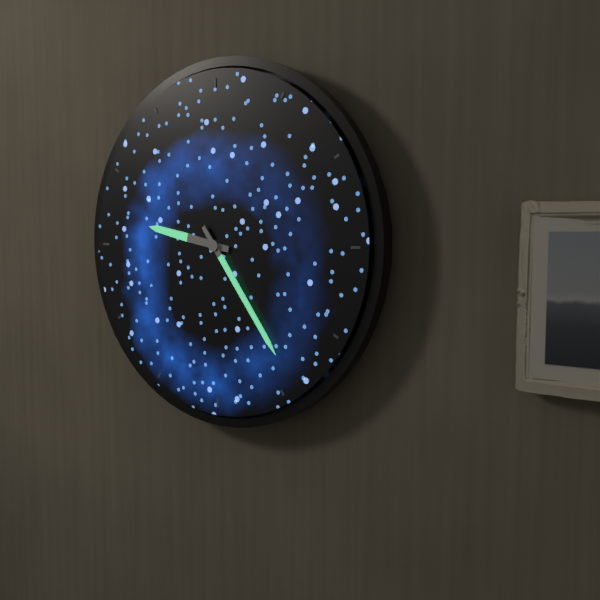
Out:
9.24
